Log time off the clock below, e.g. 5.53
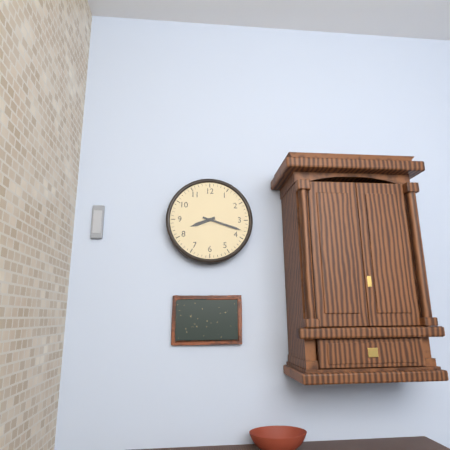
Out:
8.18
